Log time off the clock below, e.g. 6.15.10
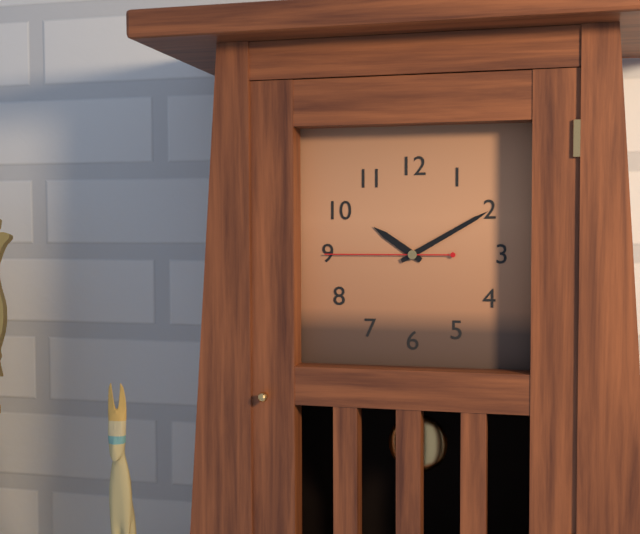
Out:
10.10.45
